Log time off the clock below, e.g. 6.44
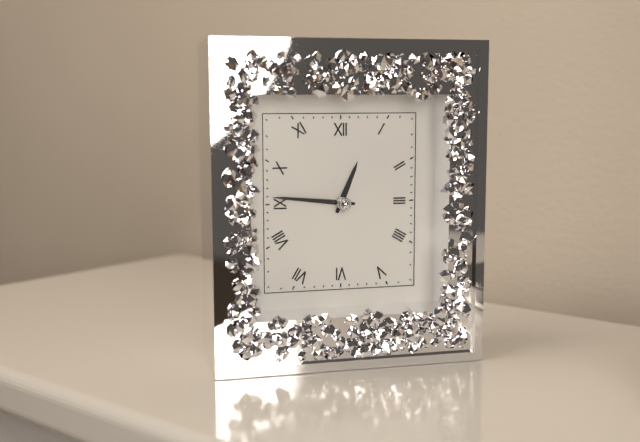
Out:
12.46
